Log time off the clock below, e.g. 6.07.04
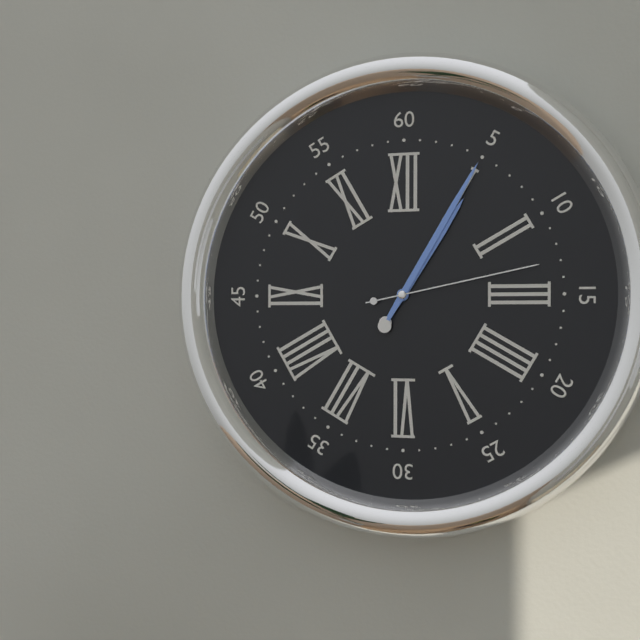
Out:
1.05.13
